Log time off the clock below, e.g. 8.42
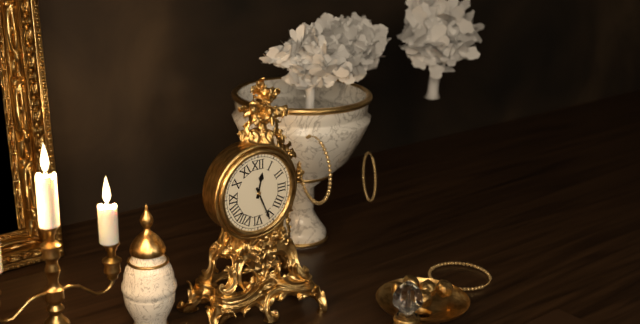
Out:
12.26
